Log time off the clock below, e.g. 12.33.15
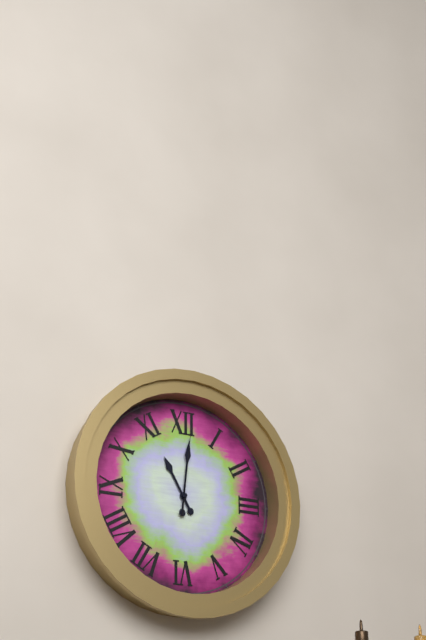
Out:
11.01.01
